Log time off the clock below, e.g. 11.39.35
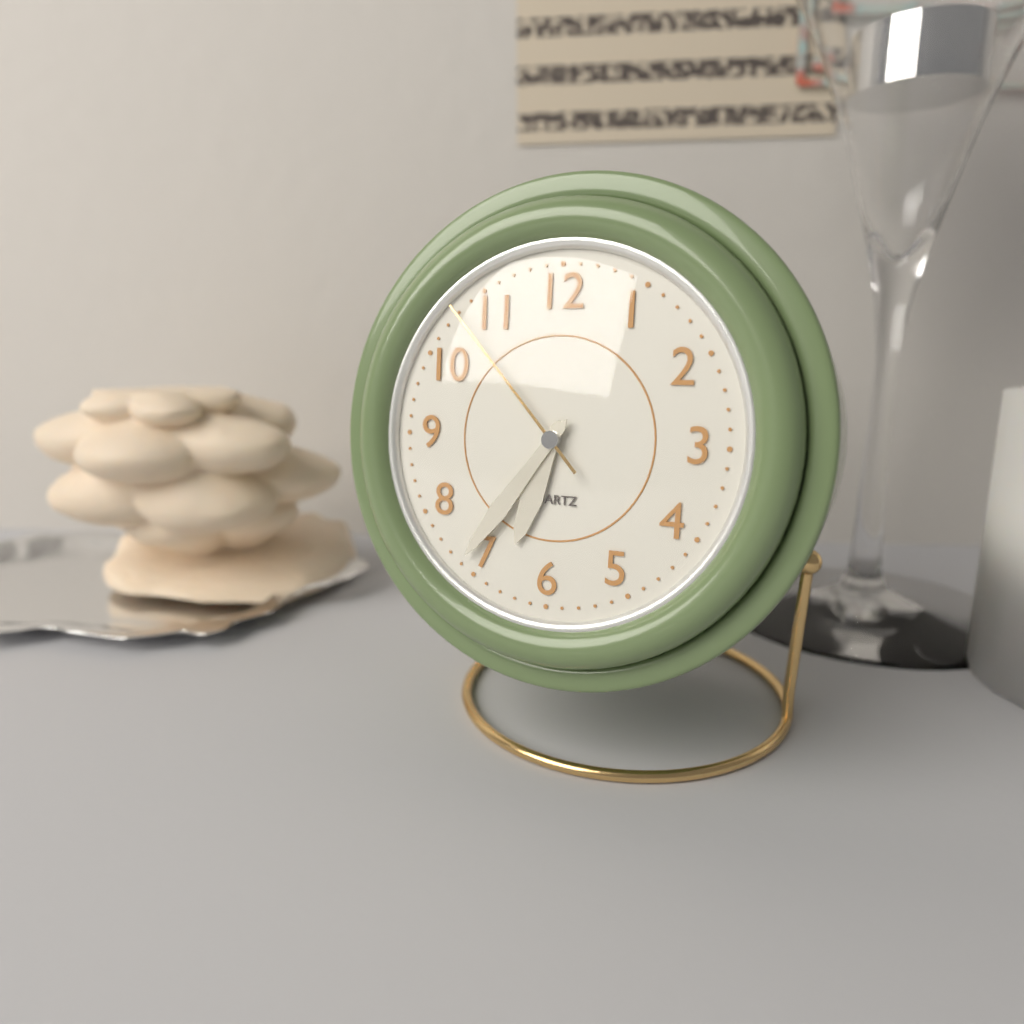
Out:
6.36.53
